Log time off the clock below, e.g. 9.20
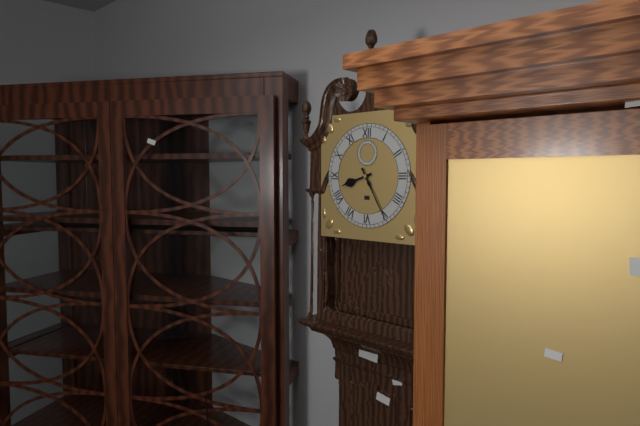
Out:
8.25
